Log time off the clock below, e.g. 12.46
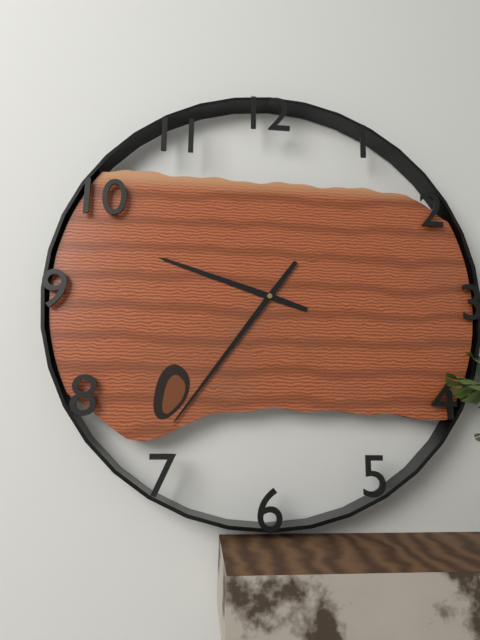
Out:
9.36
